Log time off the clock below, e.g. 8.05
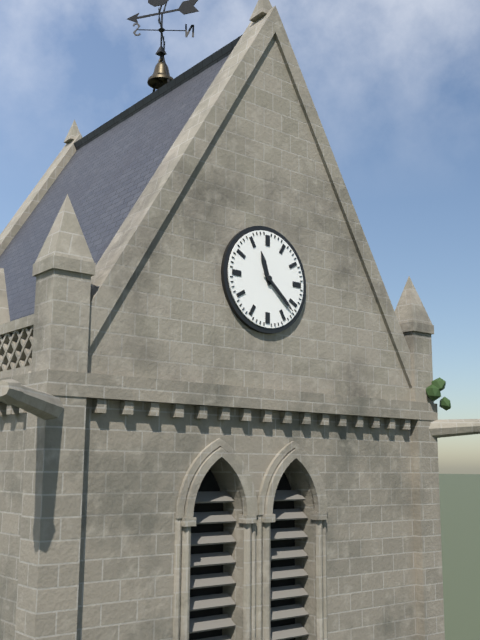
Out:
11.22
